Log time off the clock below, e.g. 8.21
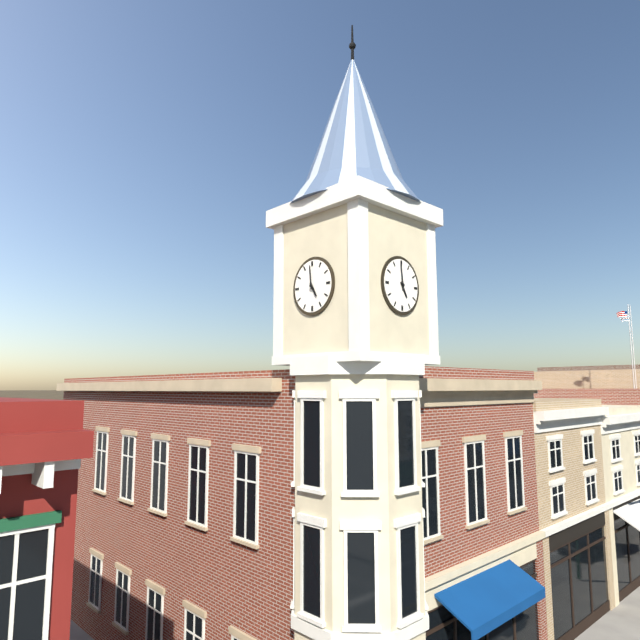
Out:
4.59
